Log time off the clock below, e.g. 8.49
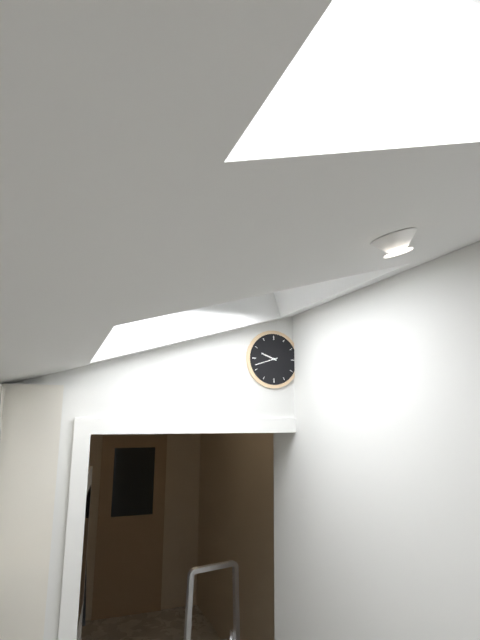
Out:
9.42
